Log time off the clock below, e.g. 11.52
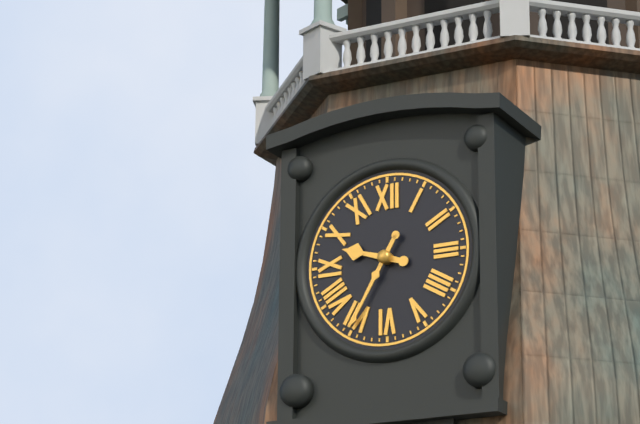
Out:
9.35
